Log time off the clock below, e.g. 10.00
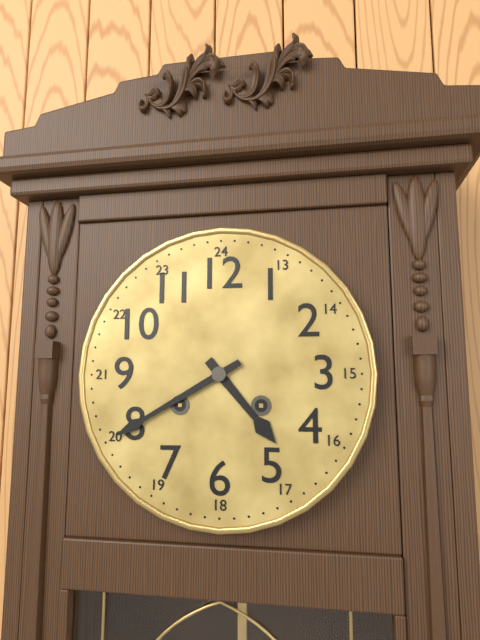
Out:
4.40
